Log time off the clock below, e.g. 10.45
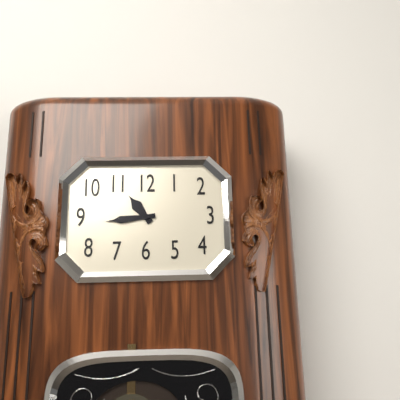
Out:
10.44
